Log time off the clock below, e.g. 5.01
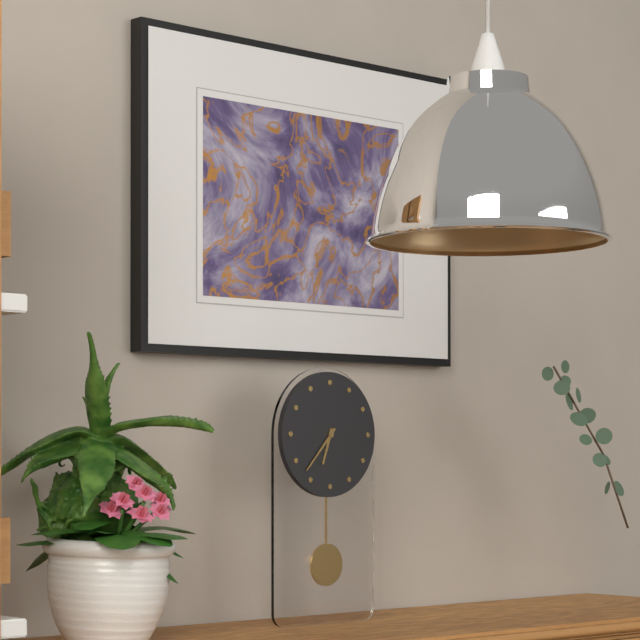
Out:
6.37
